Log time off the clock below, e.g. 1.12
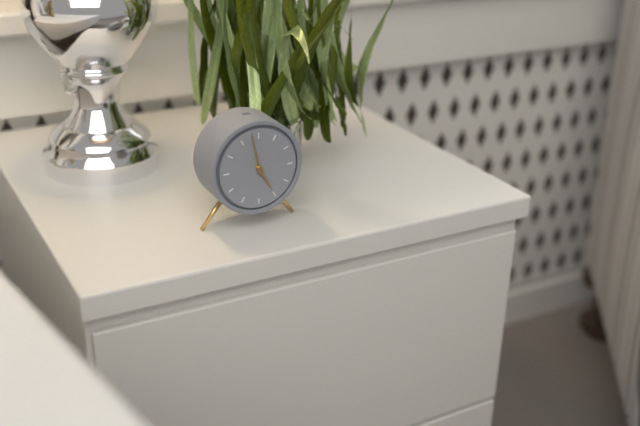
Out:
4.58
